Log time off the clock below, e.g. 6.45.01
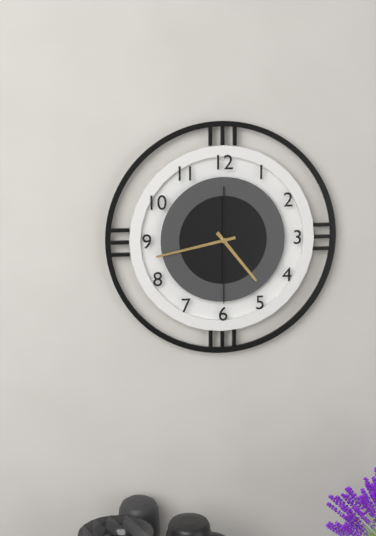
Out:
4.43.30
